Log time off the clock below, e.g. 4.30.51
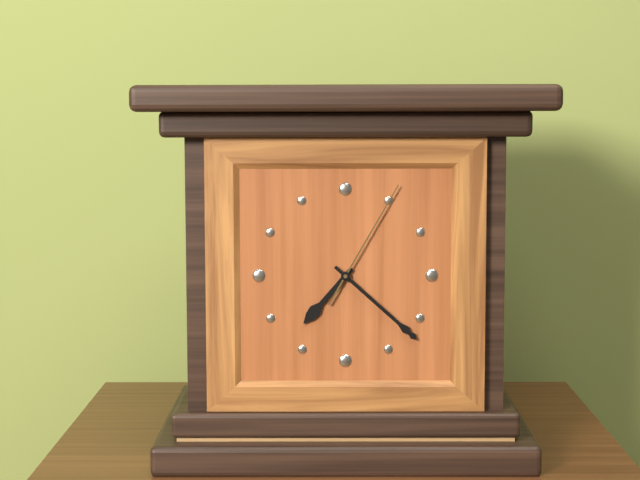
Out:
7.22.05
